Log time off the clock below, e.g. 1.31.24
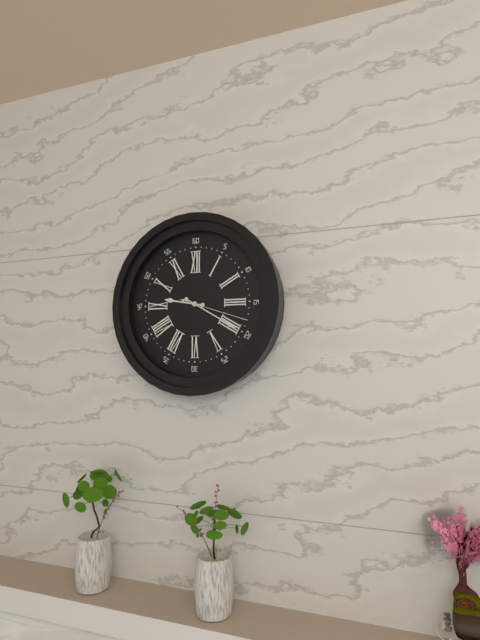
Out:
9.20.18
